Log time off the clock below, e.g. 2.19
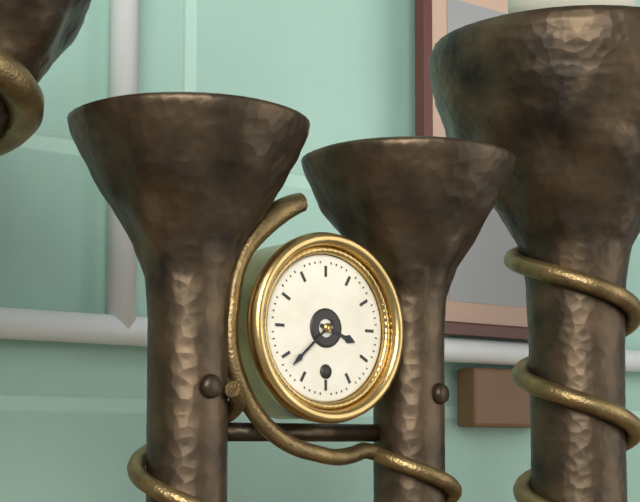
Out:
3.38
